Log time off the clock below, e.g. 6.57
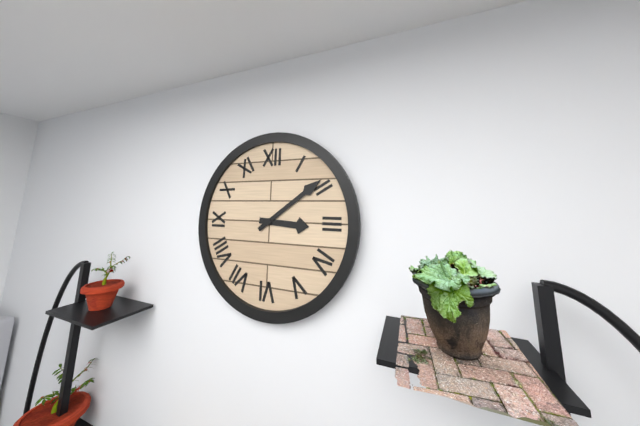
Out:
3.09
